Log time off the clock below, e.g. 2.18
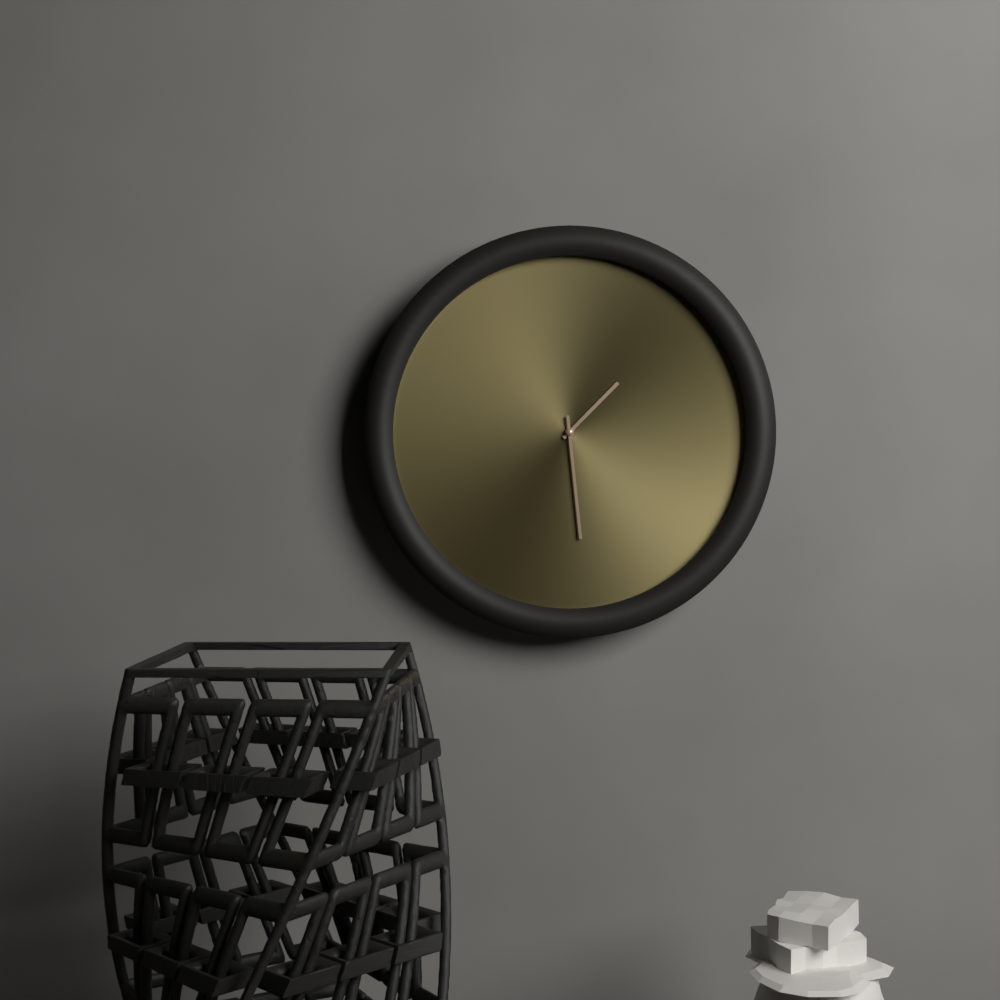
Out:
1.29
